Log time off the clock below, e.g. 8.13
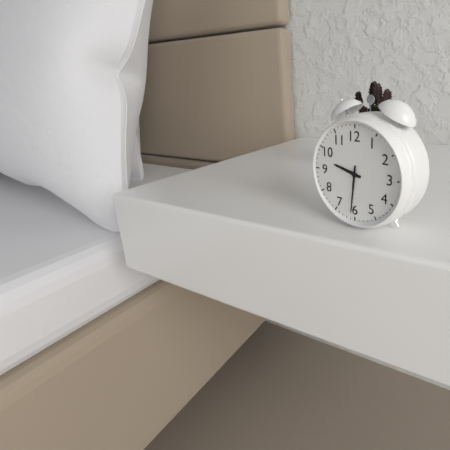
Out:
9.31
